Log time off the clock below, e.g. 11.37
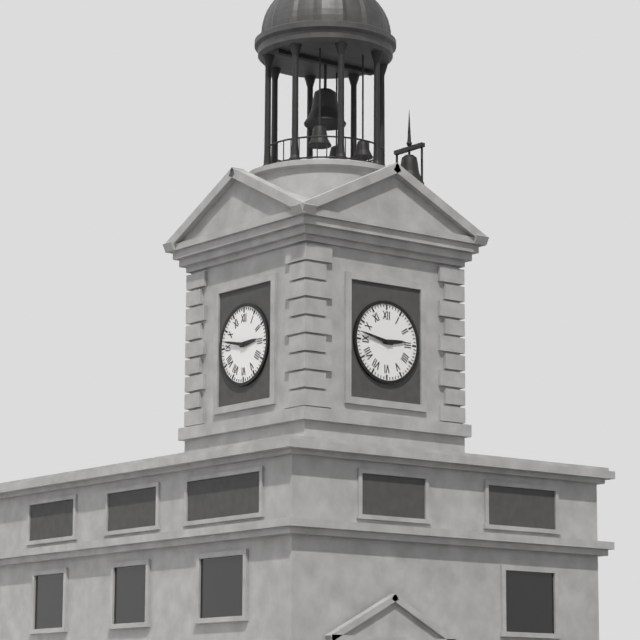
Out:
2.47
